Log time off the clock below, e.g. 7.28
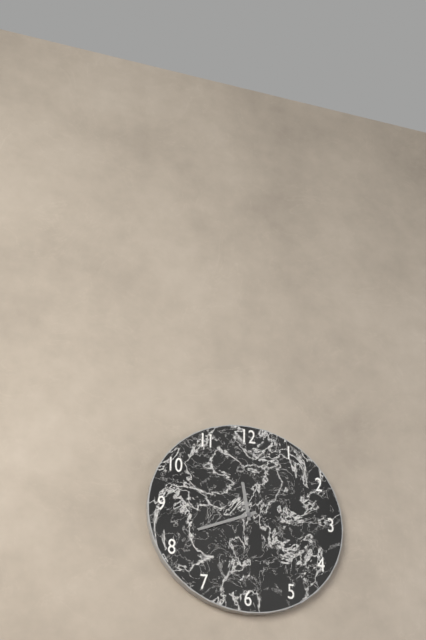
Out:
11.41
